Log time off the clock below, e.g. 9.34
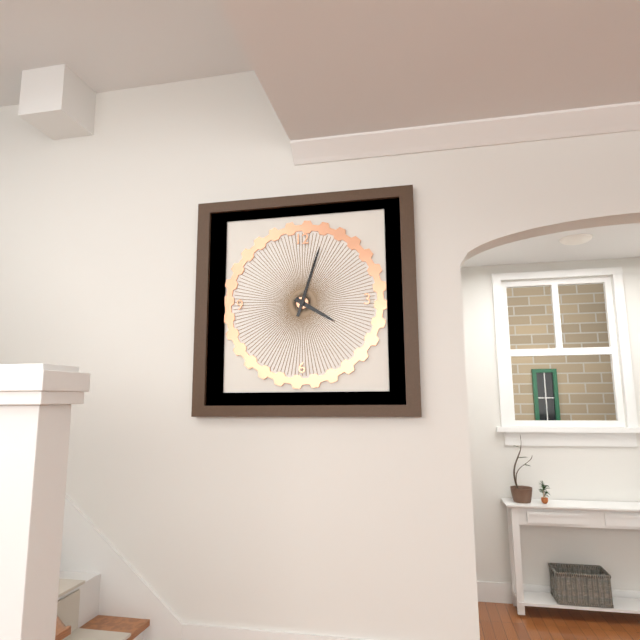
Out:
4.03
